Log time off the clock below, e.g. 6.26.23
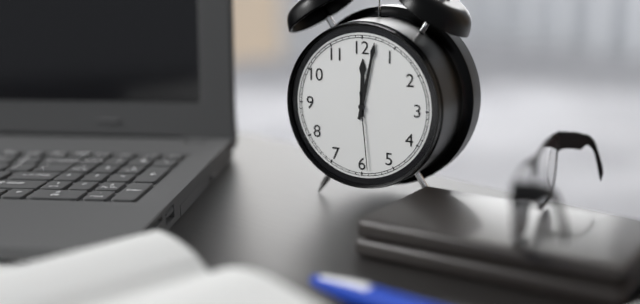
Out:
12.02.29
